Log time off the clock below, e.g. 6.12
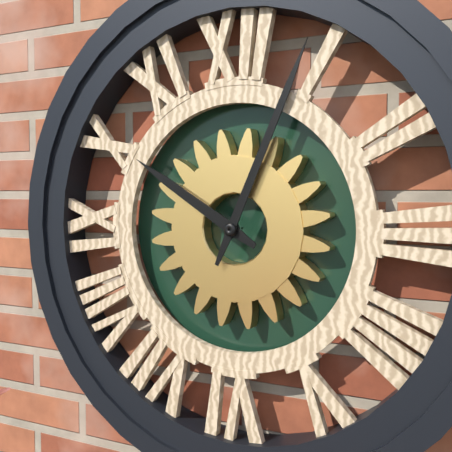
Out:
10.04
